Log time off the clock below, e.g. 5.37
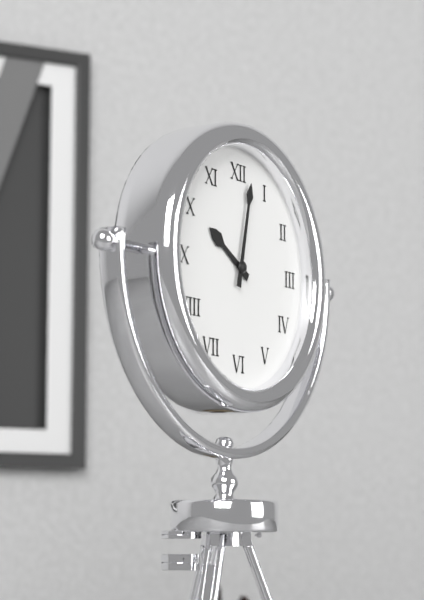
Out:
10.02
